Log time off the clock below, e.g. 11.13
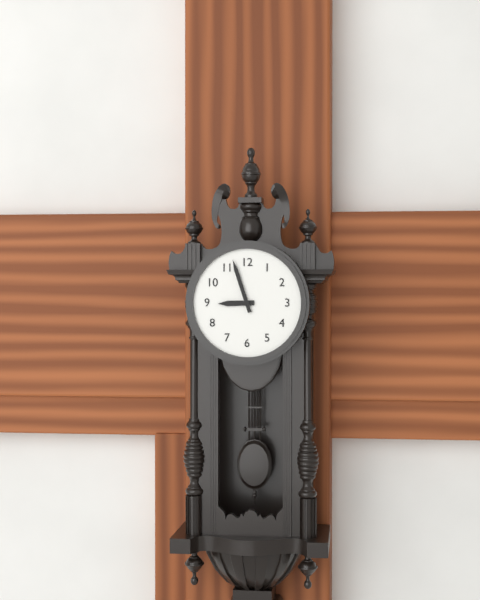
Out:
8.57
